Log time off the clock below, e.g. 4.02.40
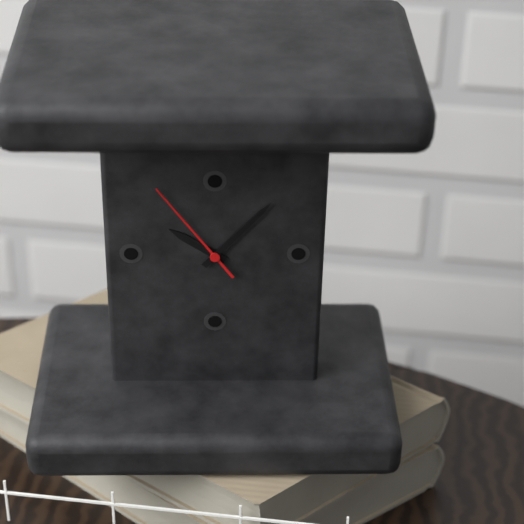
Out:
10.07.54
